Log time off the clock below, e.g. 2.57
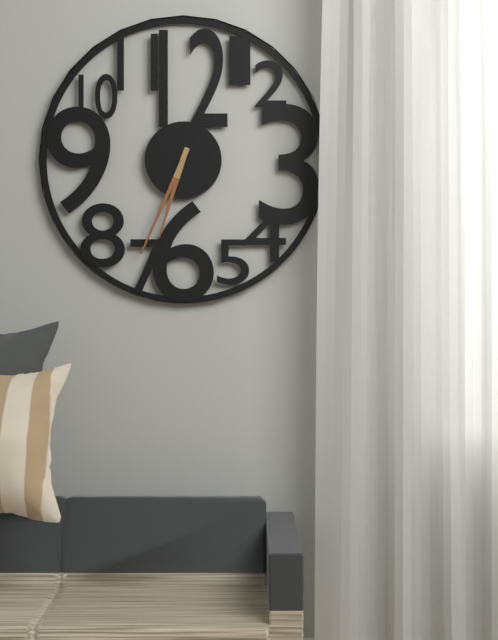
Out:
6.34
